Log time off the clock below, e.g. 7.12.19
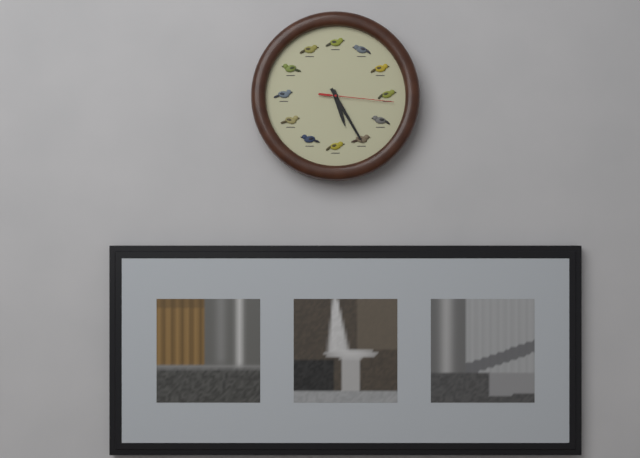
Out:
5.25.16
